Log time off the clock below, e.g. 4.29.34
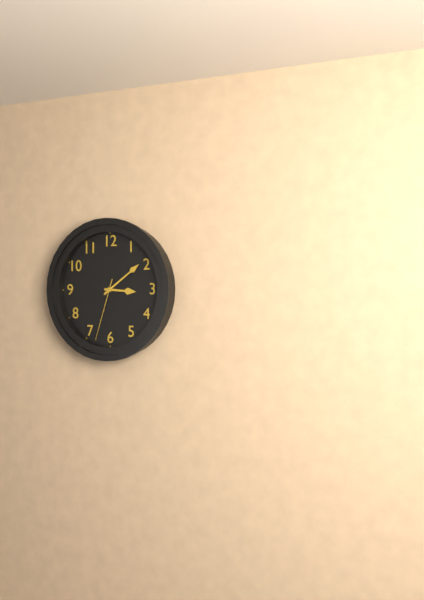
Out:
3.09.33
